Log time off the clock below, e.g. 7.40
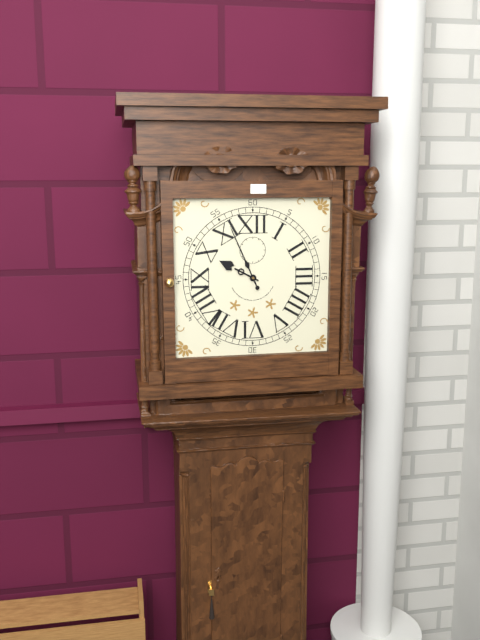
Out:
9.56
